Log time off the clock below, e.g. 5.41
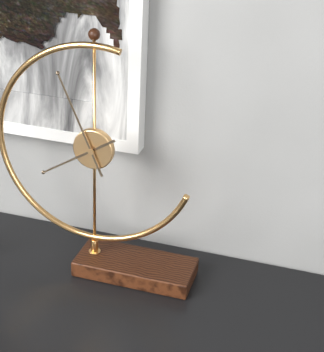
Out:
7.56
